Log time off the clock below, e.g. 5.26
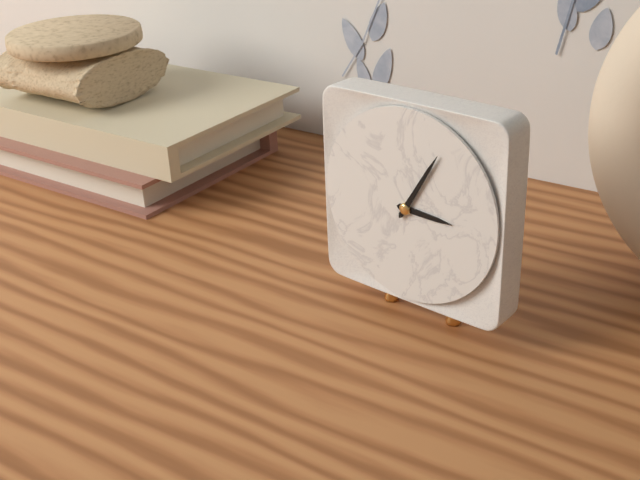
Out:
3.05
